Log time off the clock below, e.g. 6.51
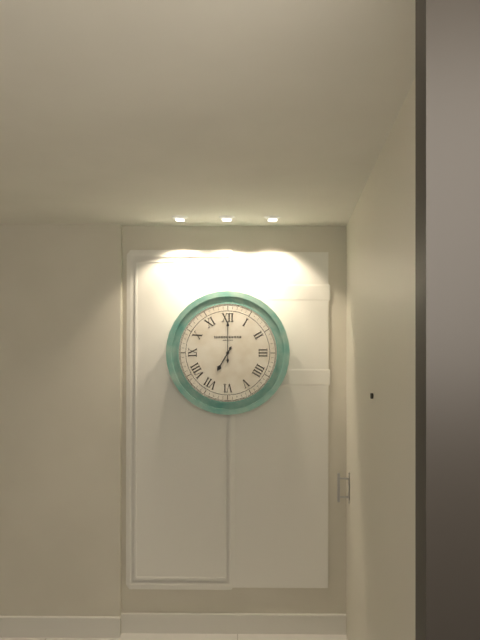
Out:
7.00
